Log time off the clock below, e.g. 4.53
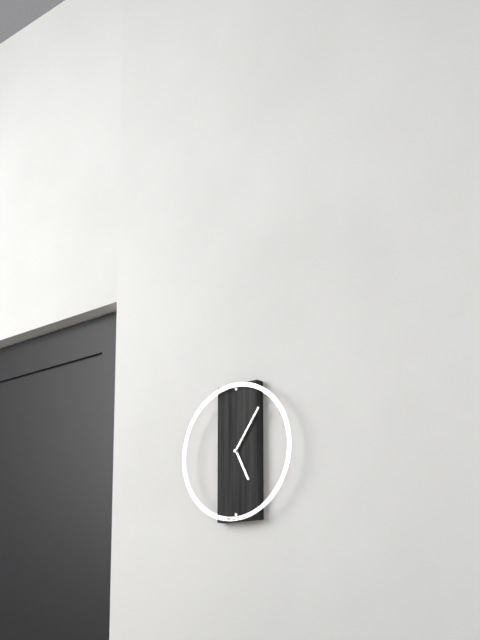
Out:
5.06
